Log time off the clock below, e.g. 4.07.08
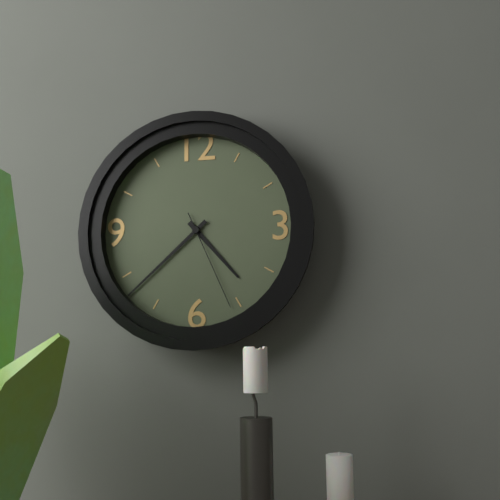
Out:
4.38.26
